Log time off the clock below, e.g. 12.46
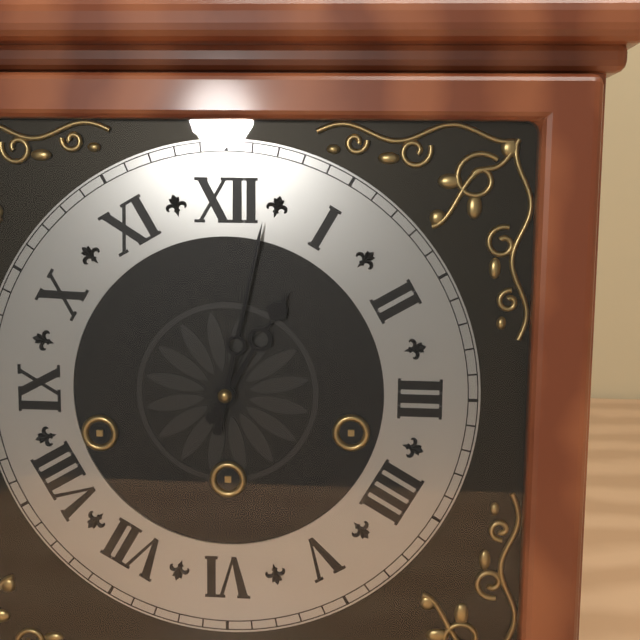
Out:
1.02
